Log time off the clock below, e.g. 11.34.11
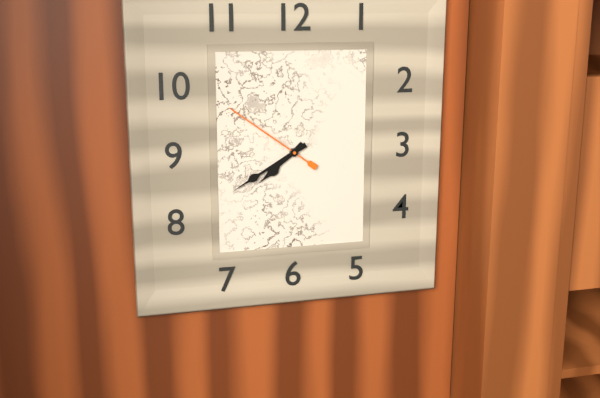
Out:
7.40.51
